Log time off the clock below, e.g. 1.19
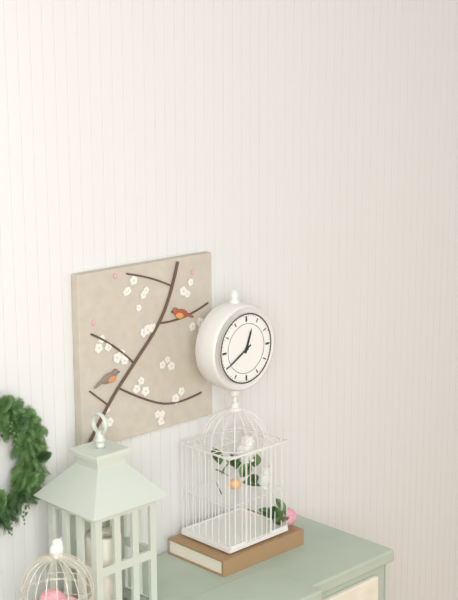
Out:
12.40
